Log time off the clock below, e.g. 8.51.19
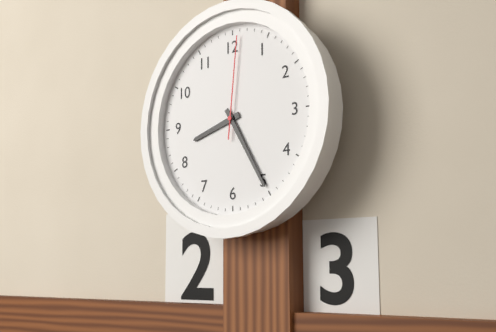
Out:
8.25.01
